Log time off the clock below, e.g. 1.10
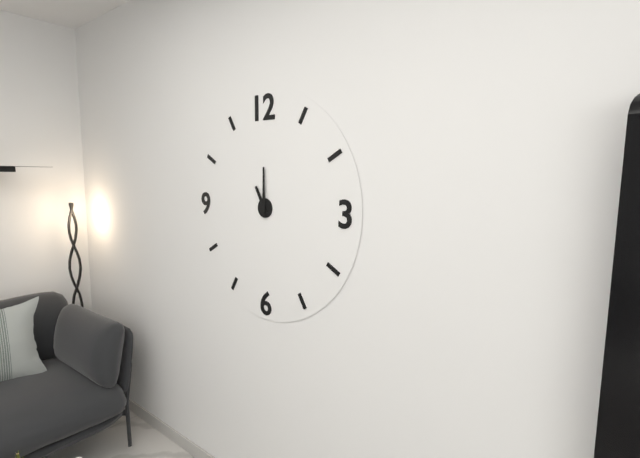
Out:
11.00
